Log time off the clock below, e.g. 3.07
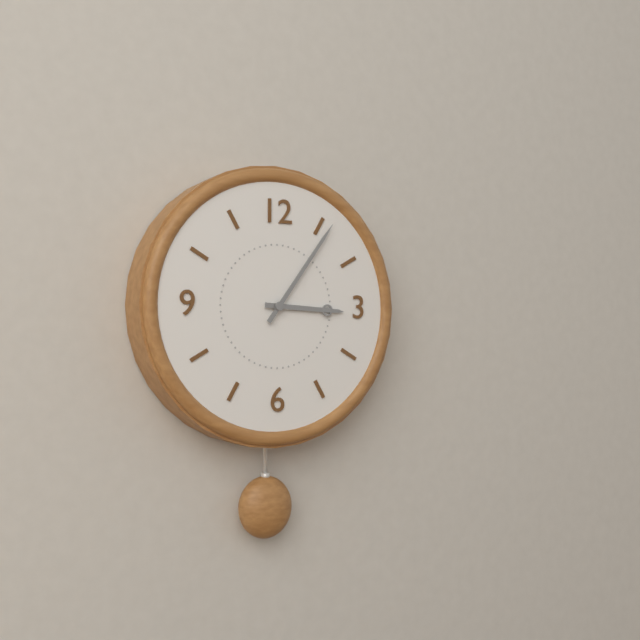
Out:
3.06
